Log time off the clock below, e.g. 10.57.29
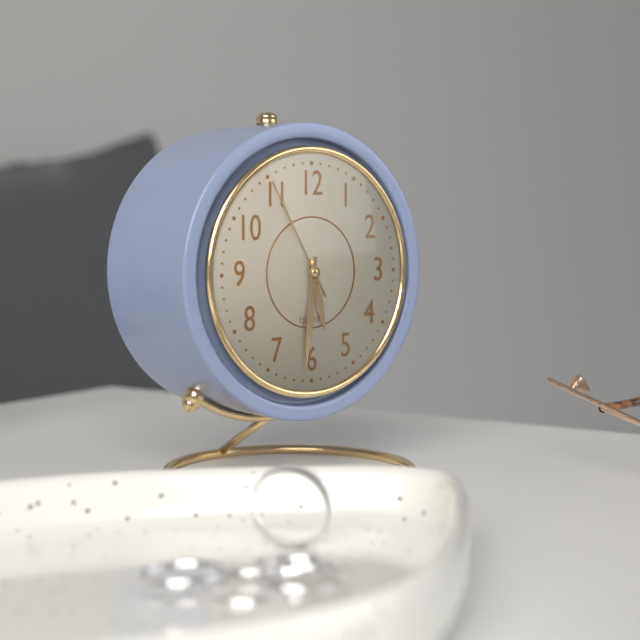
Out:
5.31.55
